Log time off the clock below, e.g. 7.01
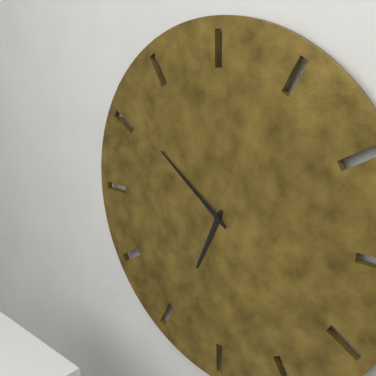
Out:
6.51
